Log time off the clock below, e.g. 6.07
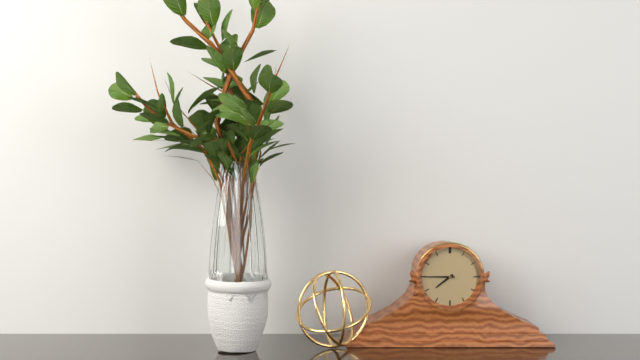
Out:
7.45
